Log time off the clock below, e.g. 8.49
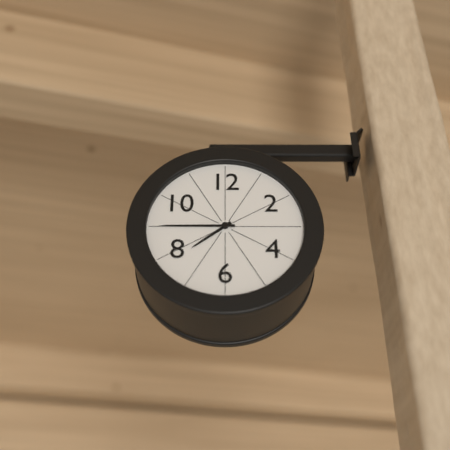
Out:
7.45
